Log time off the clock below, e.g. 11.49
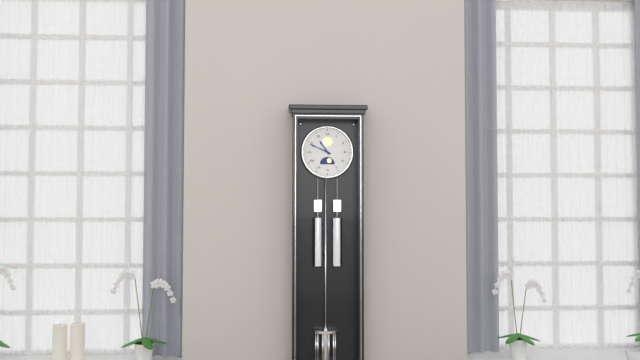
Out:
10.49
